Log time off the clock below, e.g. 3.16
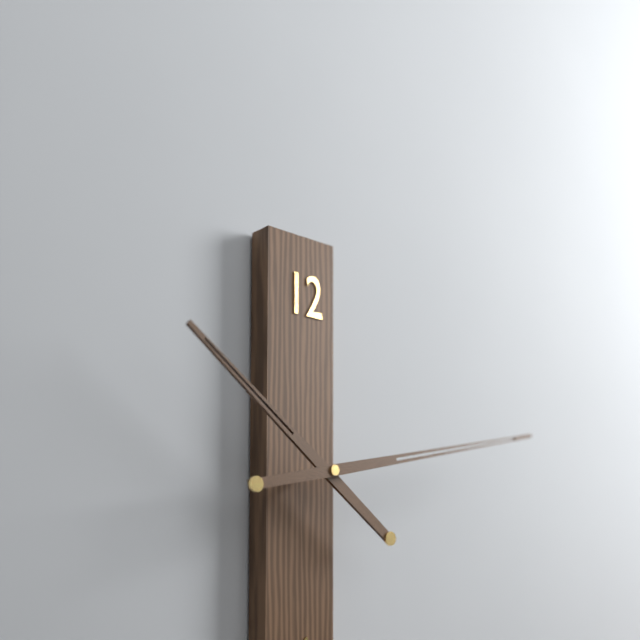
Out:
10.13
